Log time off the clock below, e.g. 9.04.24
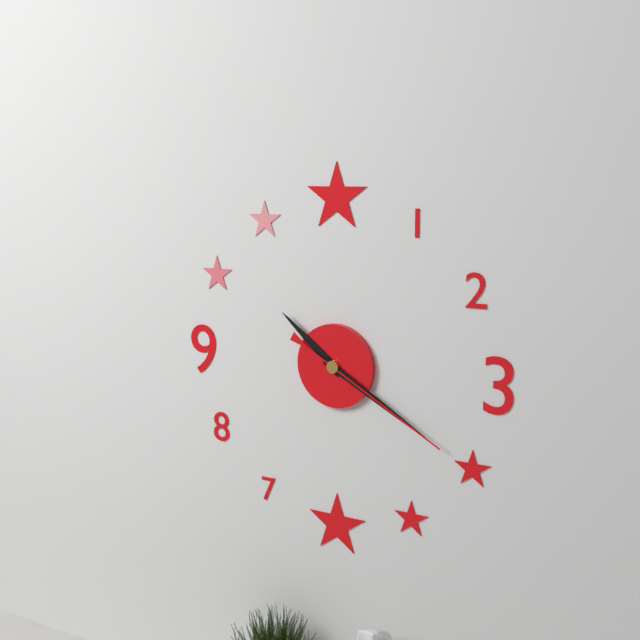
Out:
10.20.20
